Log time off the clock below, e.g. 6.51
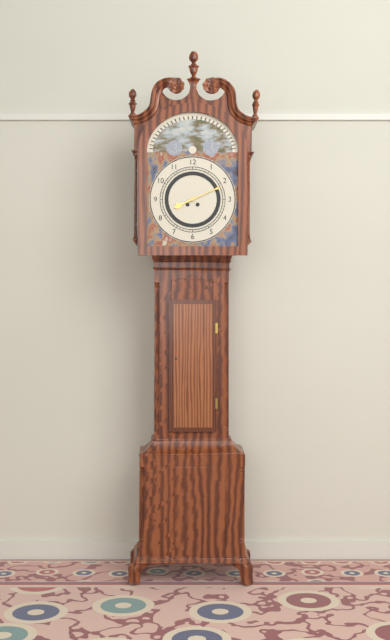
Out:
8.11
